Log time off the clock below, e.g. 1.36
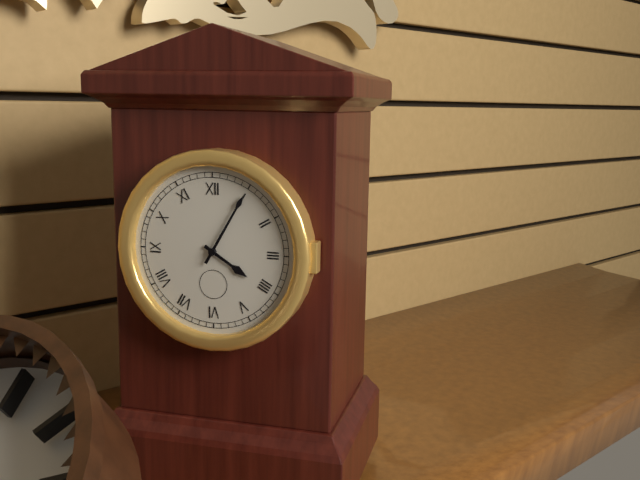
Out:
4.05
